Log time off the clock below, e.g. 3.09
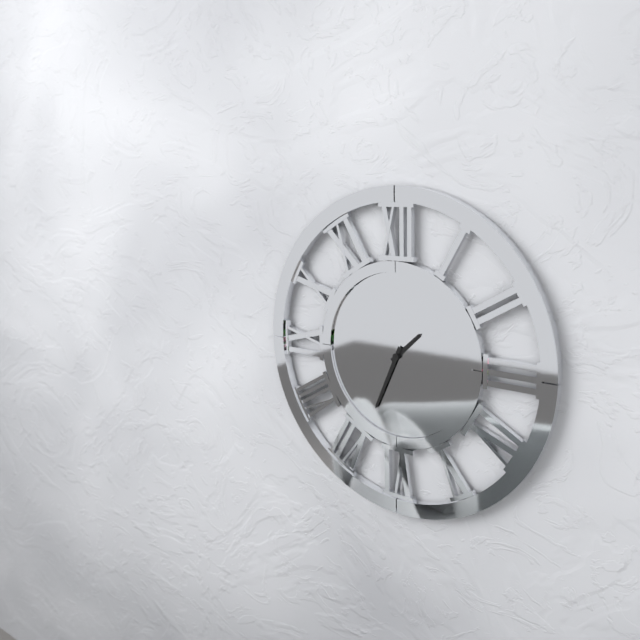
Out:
1.34
